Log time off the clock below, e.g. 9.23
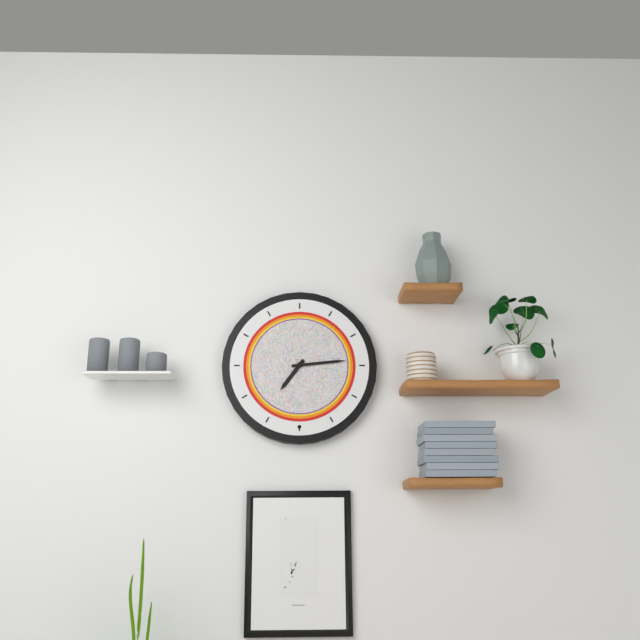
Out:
7.14
